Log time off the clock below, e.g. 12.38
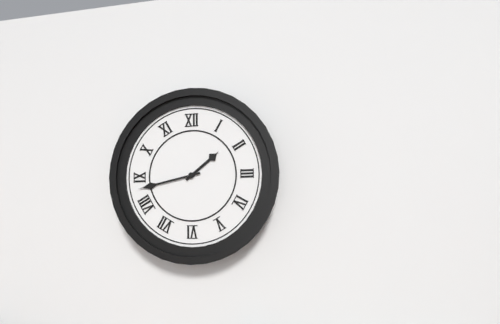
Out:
1.43
